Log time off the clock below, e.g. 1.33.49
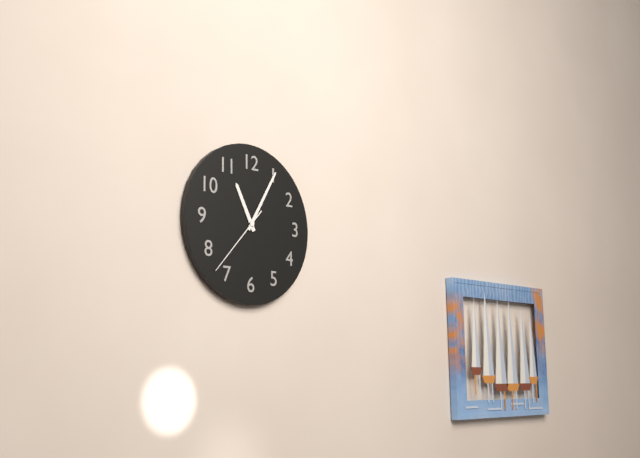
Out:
11.05.37
